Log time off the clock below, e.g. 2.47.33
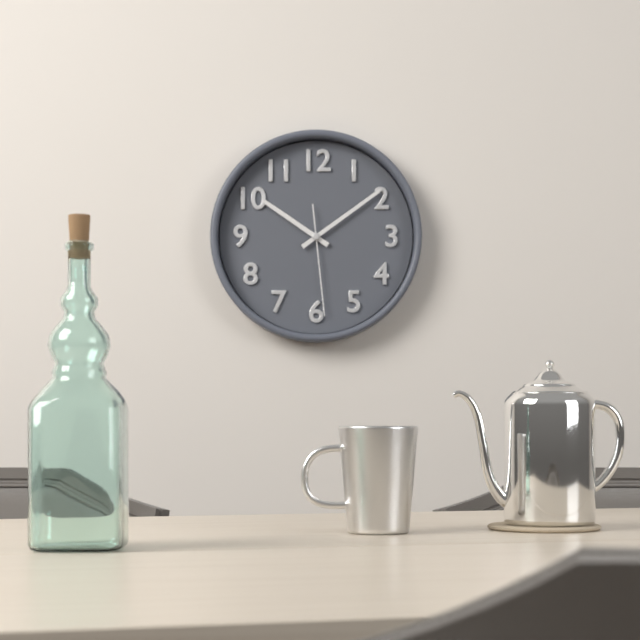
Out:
10.09.29
